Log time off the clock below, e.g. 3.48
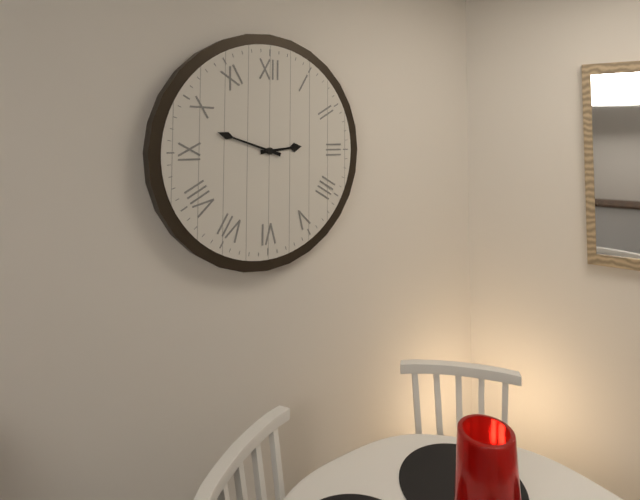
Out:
2.48
